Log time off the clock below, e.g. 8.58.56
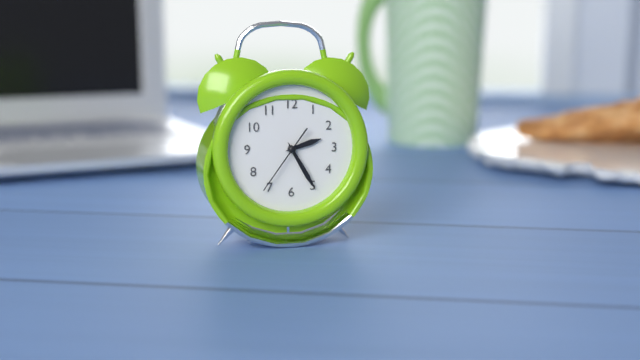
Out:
2.25.36
